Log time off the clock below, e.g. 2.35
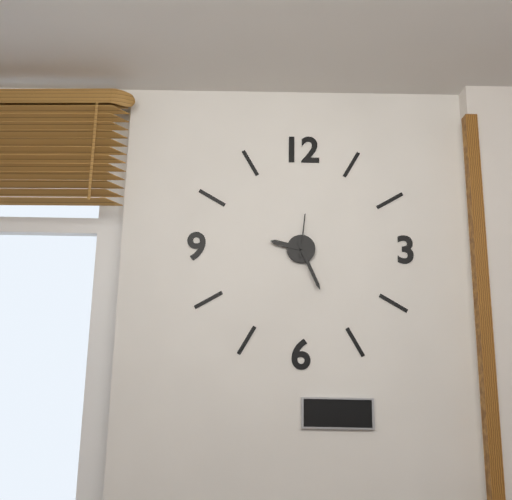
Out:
9.26
